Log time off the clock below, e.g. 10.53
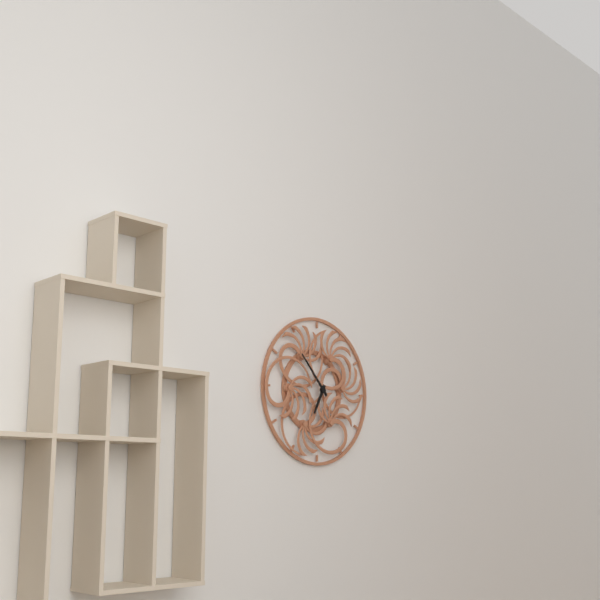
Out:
6.53
